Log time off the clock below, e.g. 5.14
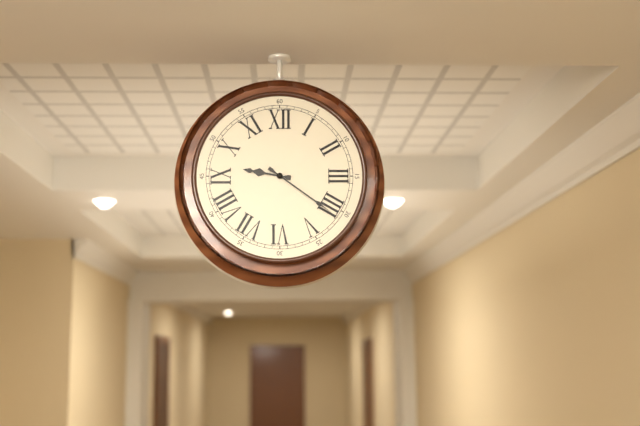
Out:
9.21
